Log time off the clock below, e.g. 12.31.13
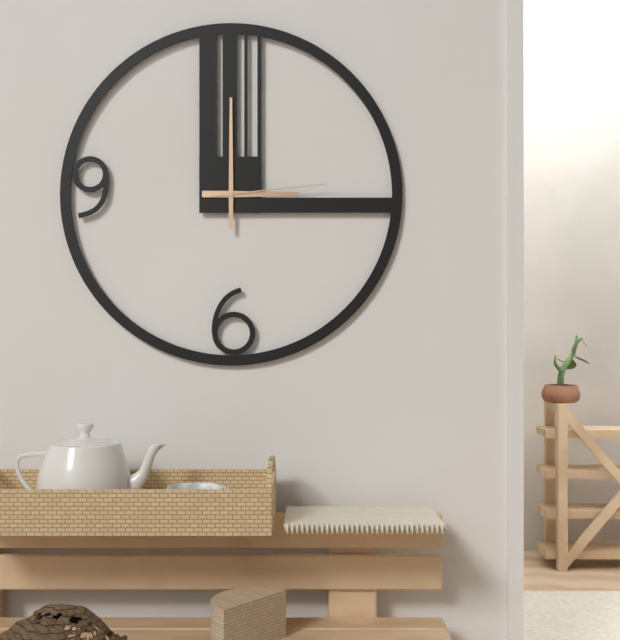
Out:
3.00.14
